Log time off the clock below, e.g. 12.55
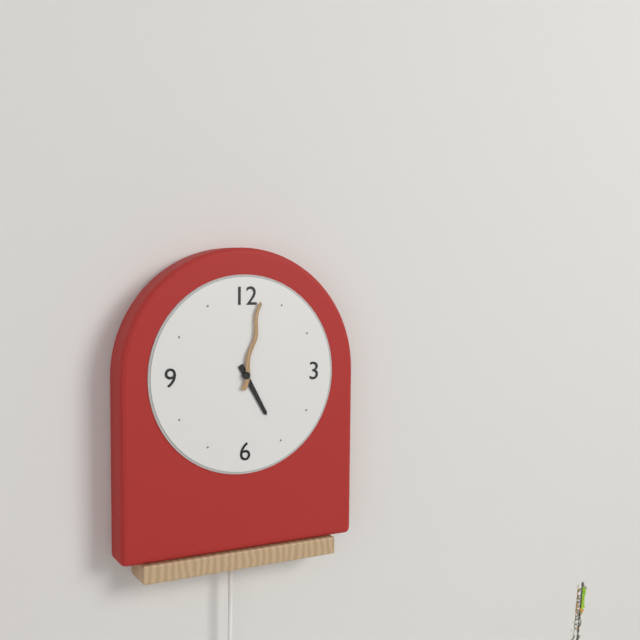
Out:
5.02
